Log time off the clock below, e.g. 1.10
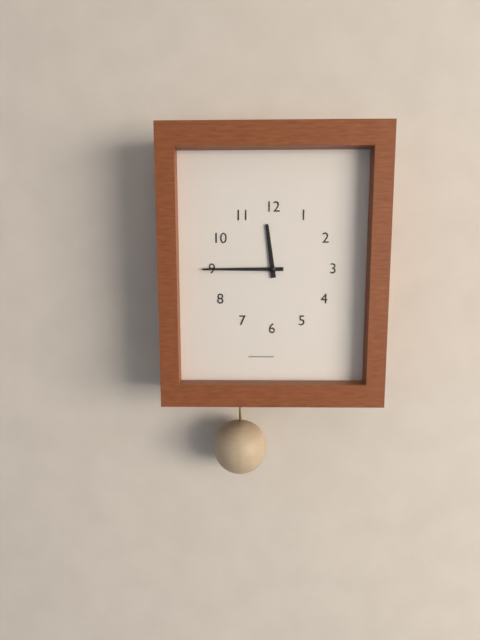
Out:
11.45
